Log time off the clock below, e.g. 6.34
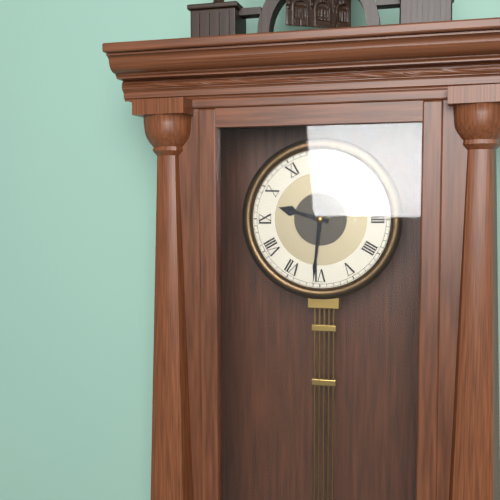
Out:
9.31
